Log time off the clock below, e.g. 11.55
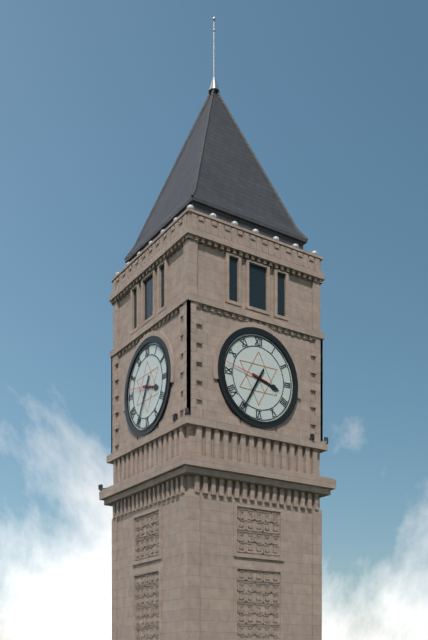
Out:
3.35
